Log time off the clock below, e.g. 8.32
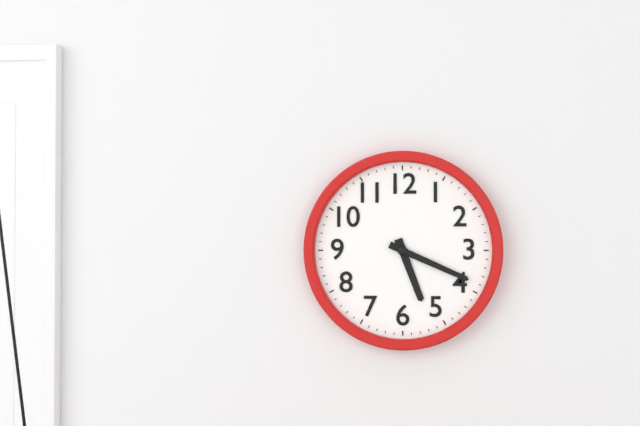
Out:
5.19
